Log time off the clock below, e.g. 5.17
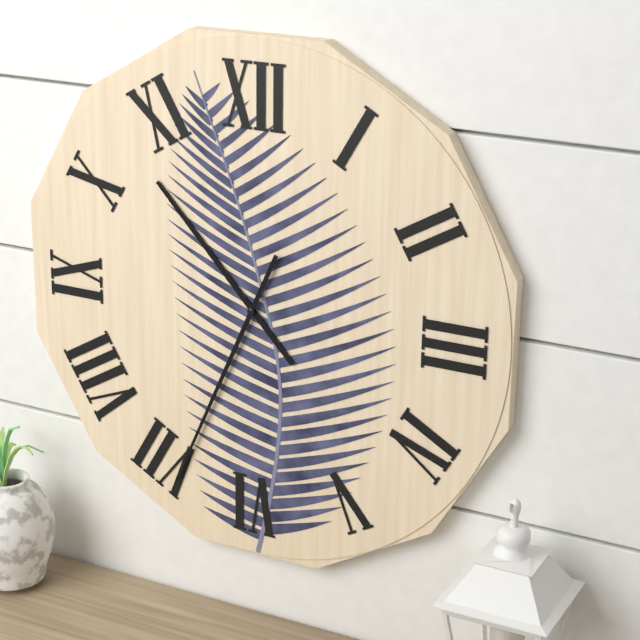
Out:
10.34
